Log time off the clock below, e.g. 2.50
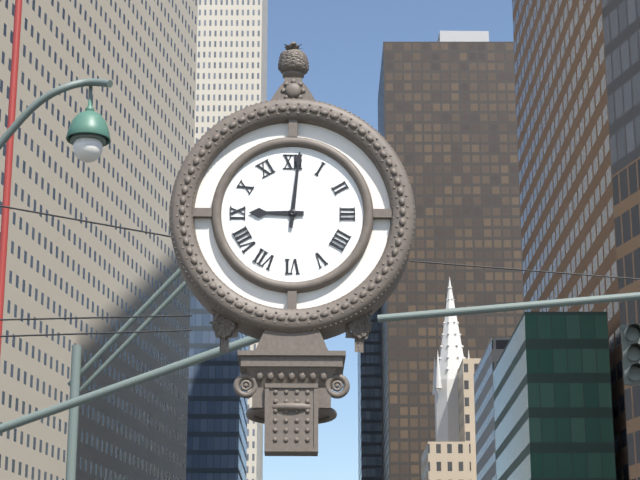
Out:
9.01
